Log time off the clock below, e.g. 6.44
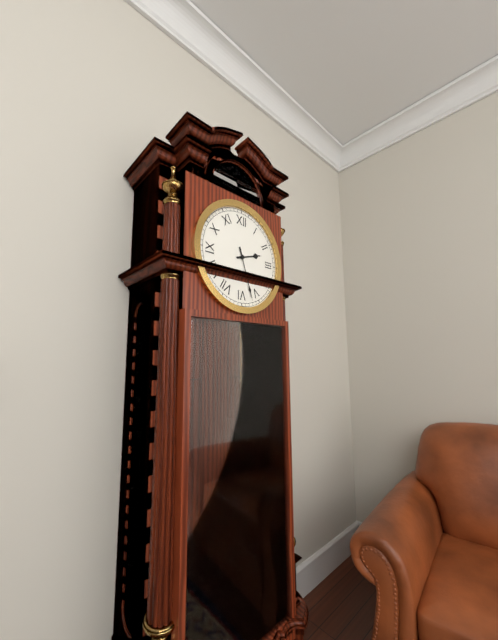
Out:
2.27
